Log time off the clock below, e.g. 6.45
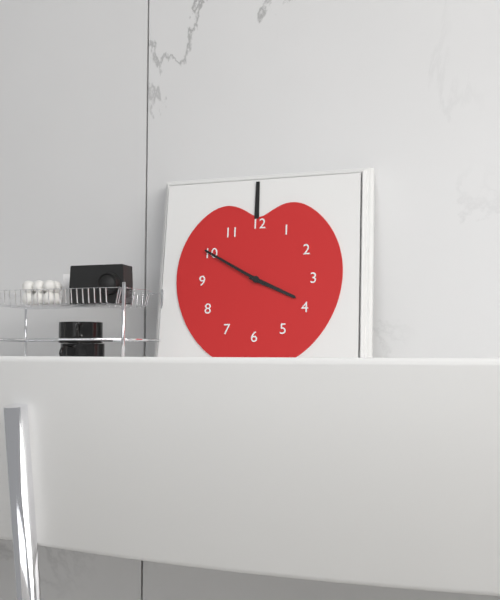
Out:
3.50
